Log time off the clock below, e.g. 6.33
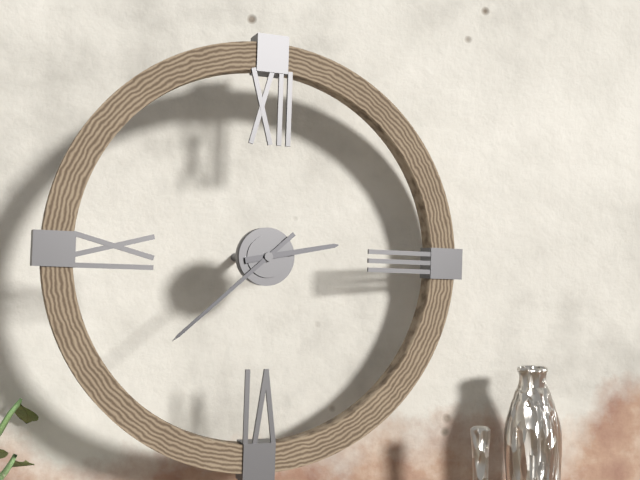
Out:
2.38
